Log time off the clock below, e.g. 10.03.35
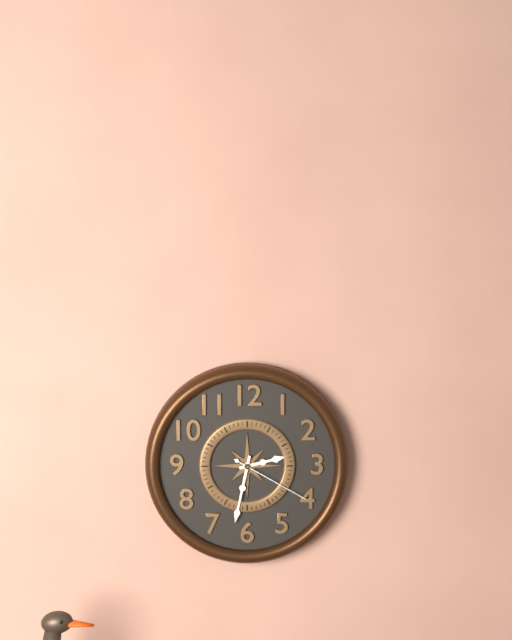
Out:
2.32.20
